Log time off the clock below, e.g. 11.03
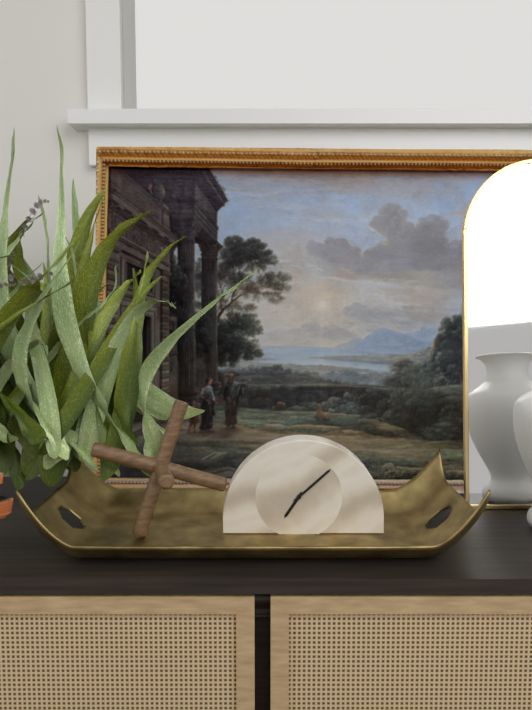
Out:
7.08
